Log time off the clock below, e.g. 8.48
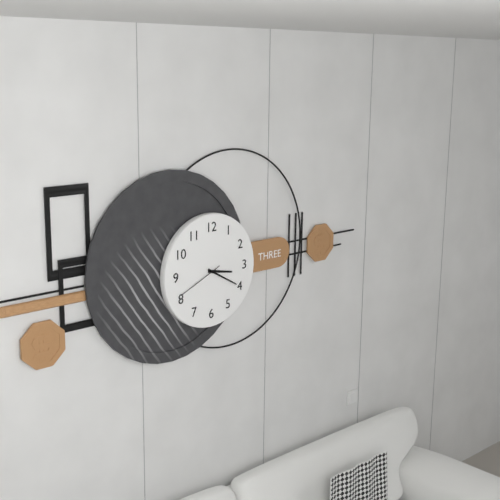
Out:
3.20
